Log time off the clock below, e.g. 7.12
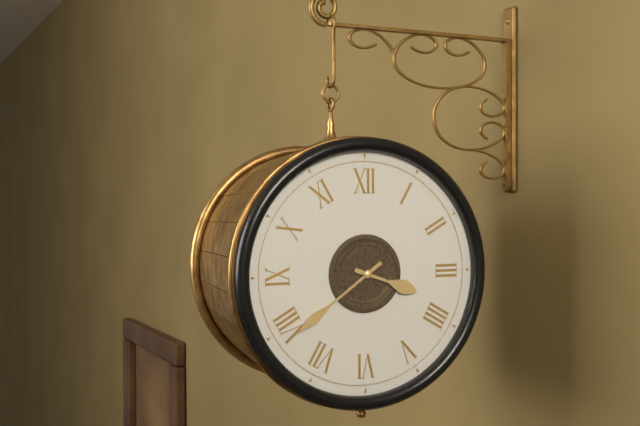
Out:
3.39
